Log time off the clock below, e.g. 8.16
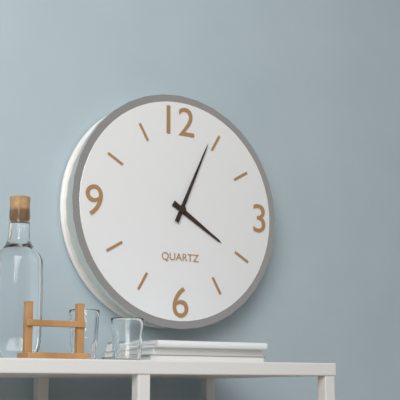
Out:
4.04
